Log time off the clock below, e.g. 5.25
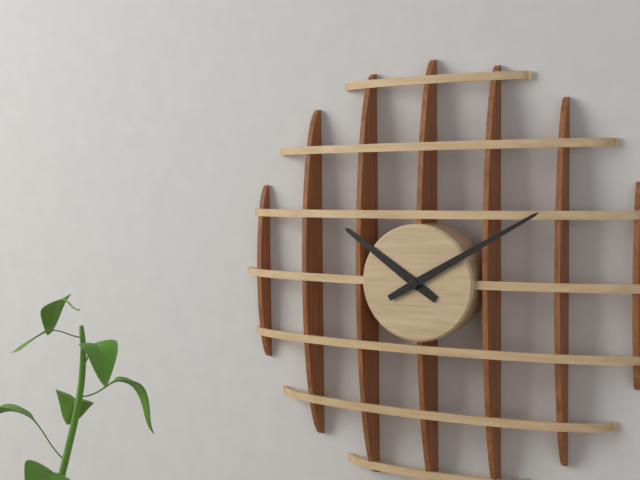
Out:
10.10
